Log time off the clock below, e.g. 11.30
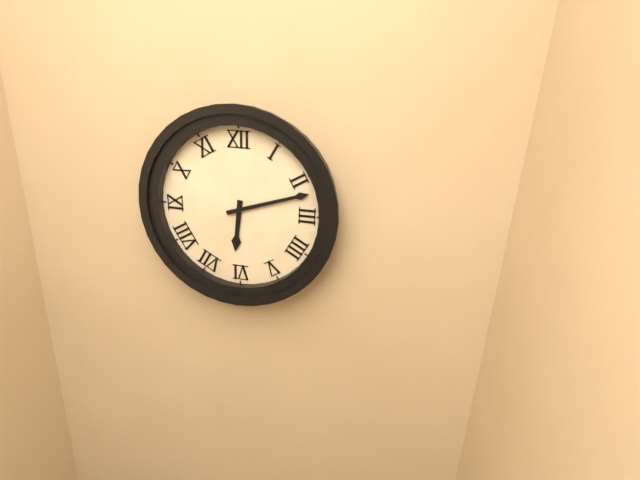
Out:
6.12
